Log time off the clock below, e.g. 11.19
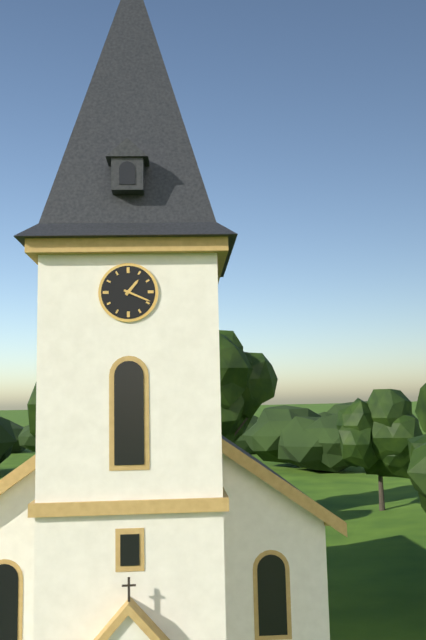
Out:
1.19
